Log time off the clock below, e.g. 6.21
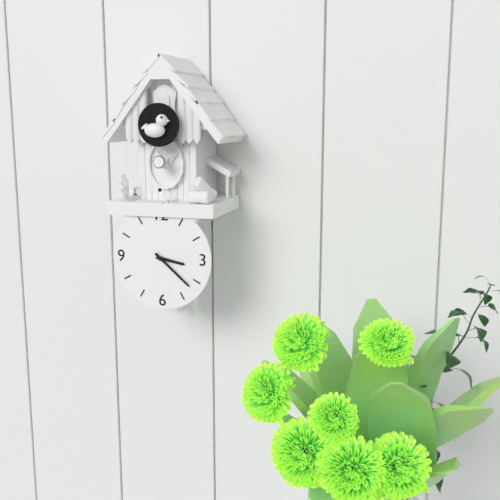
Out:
3.22
